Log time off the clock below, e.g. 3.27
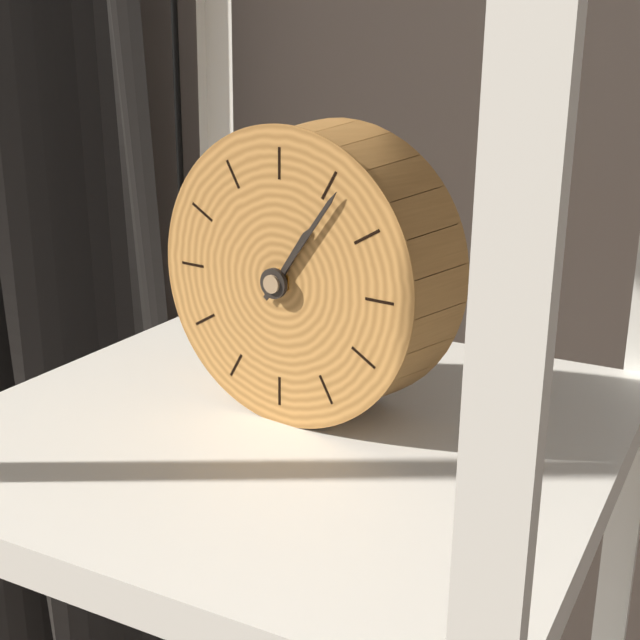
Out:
1.06
